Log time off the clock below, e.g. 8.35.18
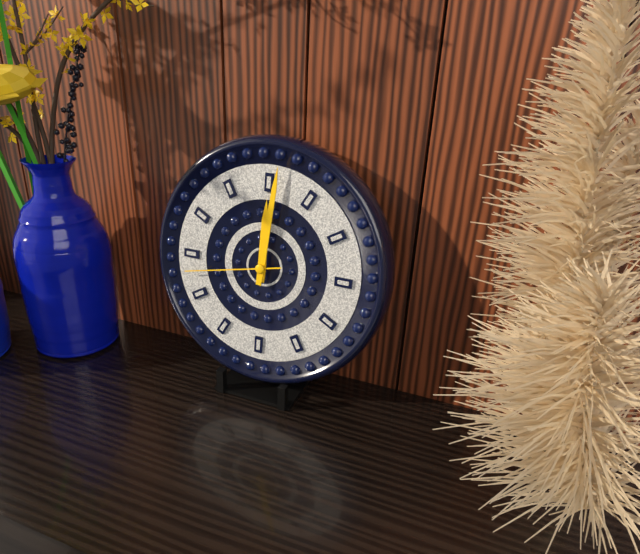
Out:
12.01.43
